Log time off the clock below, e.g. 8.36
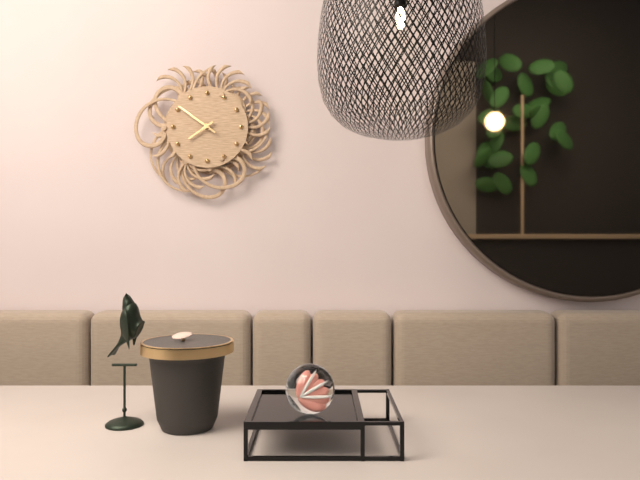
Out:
7.51
